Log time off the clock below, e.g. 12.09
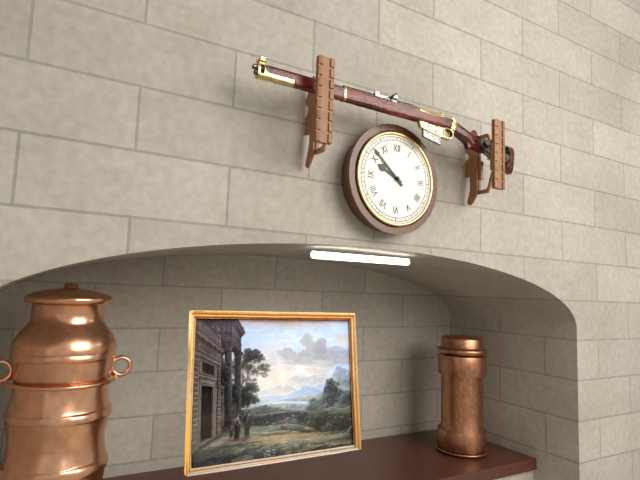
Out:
9.52
